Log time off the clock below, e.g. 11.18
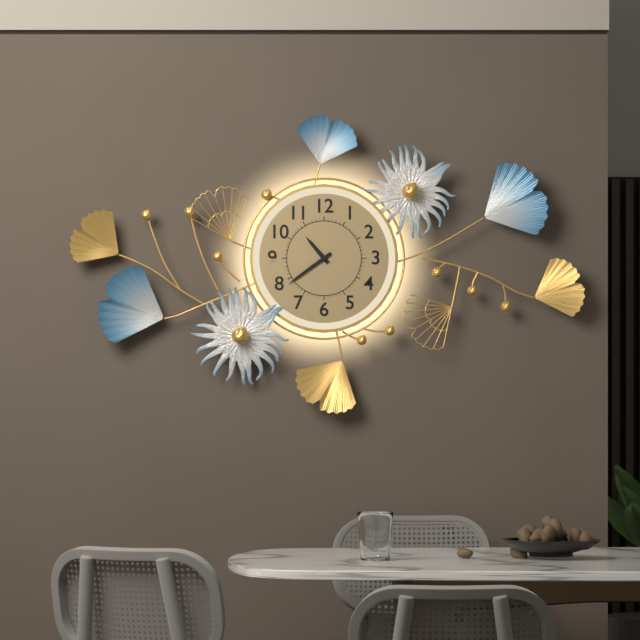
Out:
10.39
